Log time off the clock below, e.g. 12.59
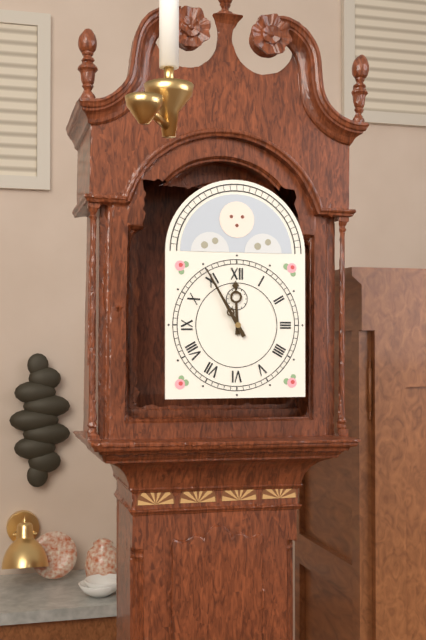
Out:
11.55
